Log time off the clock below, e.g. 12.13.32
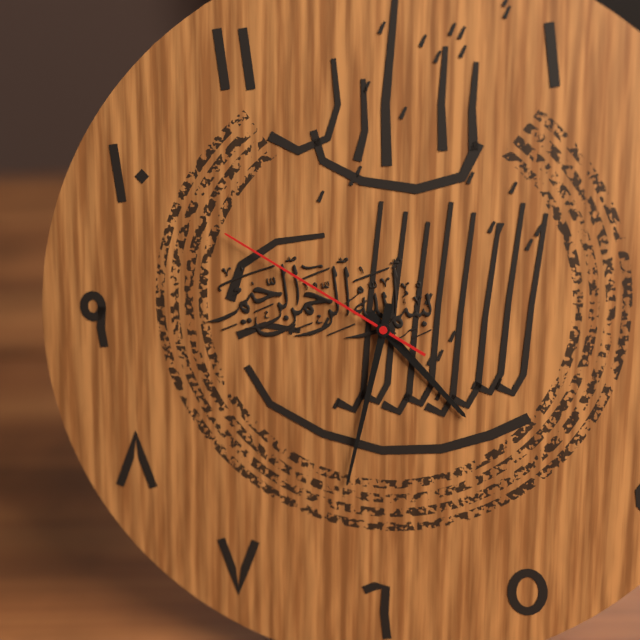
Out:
4.32.50
